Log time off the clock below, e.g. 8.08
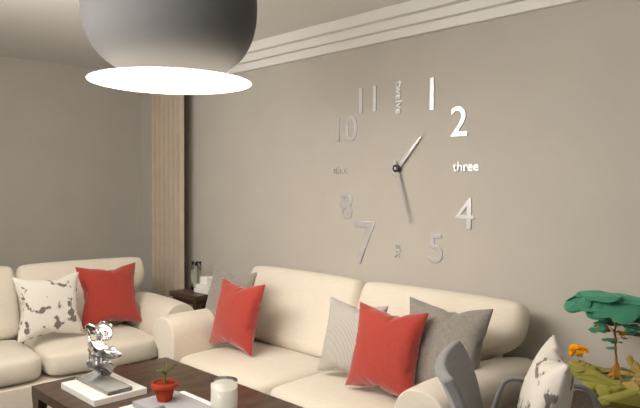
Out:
1.27
